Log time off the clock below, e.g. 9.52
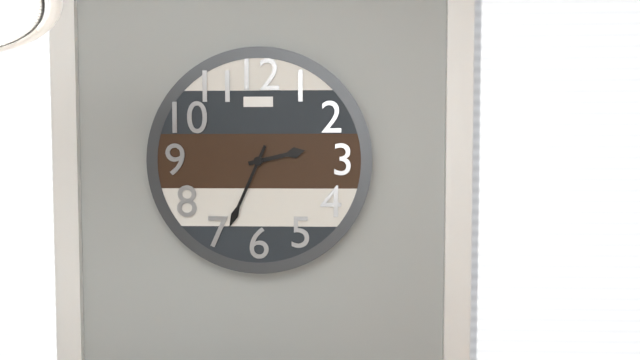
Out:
2.34
